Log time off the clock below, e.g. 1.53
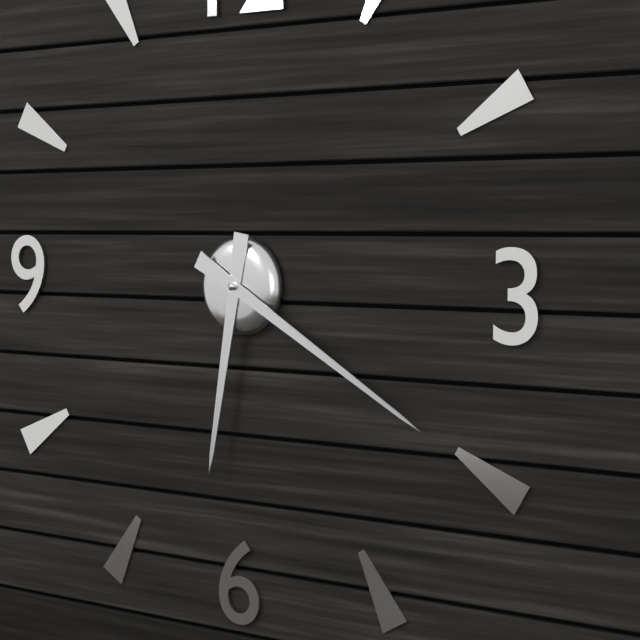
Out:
6.20
